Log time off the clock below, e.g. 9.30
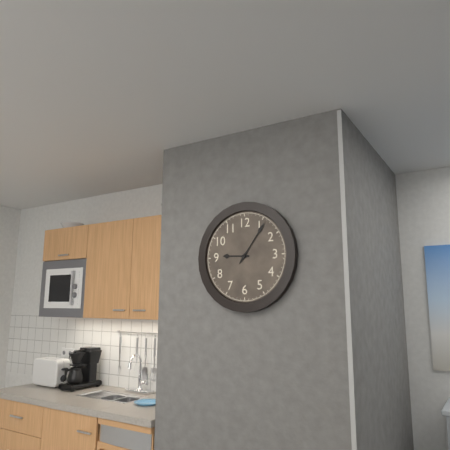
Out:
9.06
